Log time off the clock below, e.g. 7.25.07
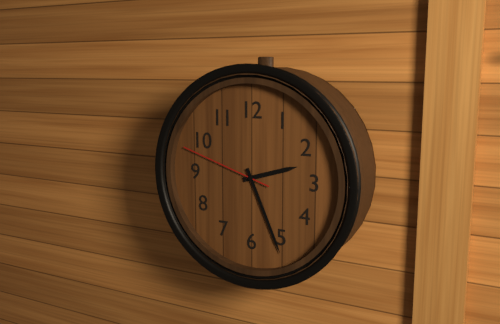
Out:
2.26.48
